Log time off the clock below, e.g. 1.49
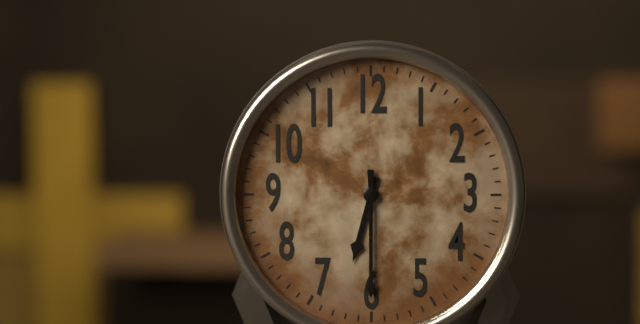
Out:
6.30
